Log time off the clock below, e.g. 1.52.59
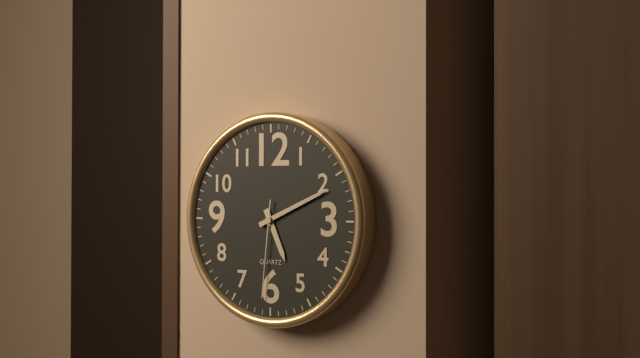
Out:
5.11.31
